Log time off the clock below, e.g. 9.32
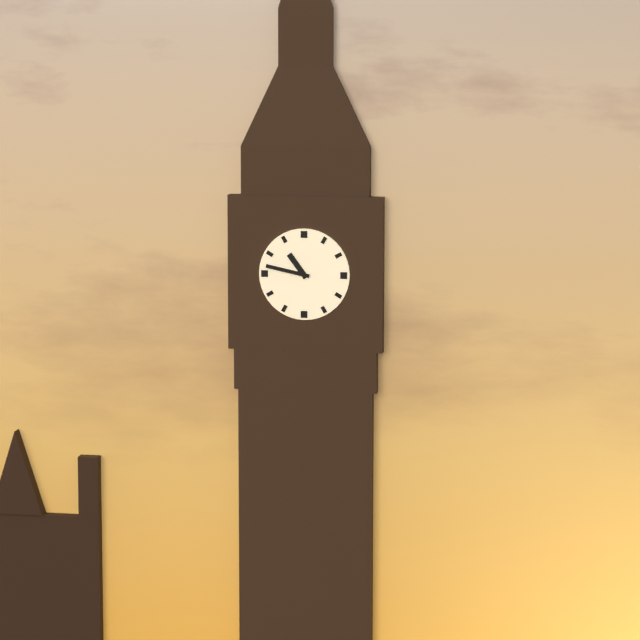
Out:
10.47
